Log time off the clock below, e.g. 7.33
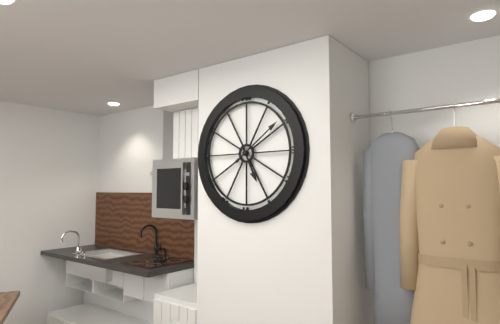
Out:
5.09
